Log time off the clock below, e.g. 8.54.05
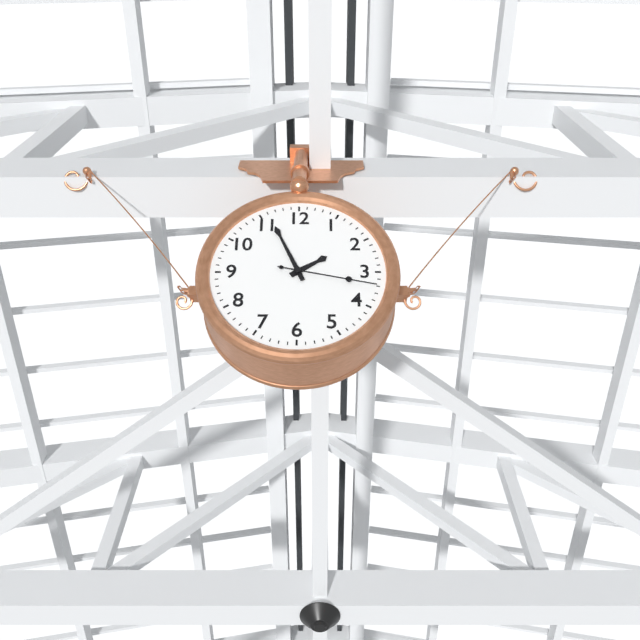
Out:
1.56.17
